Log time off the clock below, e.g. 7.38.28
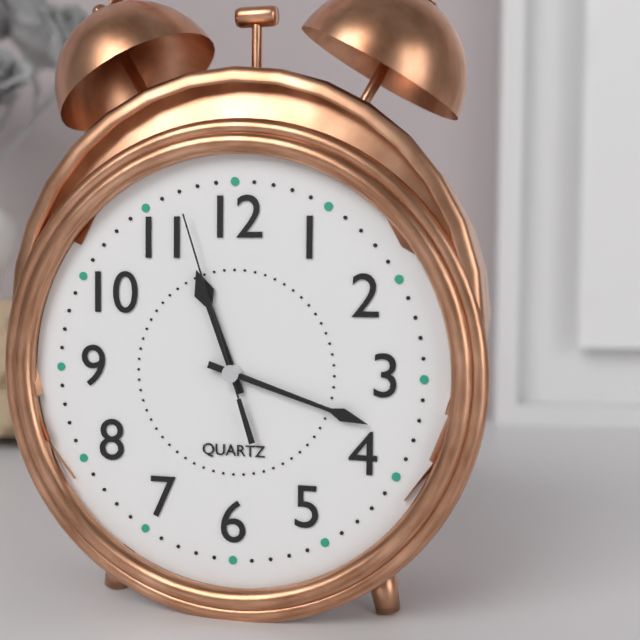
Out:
11.18.57
